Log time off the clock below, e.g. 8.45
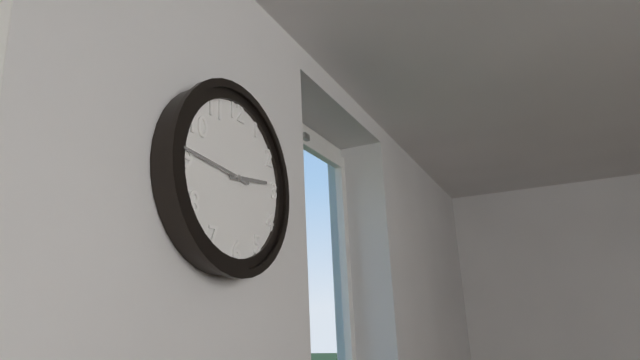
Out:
2.46
